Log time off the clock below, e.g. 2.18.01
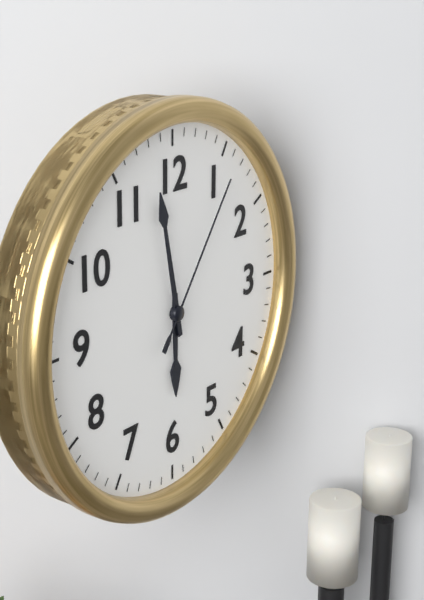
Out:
5.58.06
